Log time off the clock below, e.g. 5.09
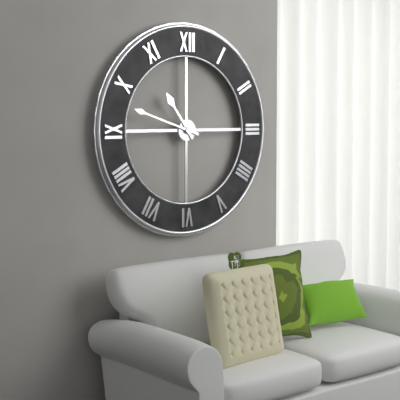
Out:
10.48
